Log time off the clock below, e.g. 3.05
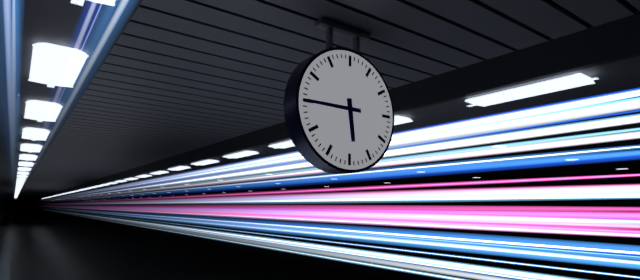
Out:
5.45
